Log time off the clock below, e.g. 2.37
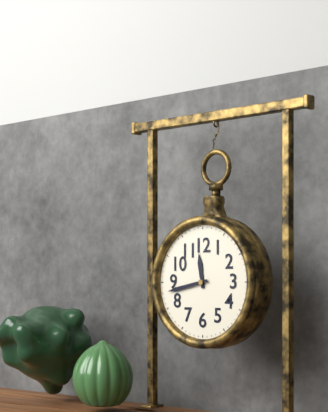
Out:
11.43
